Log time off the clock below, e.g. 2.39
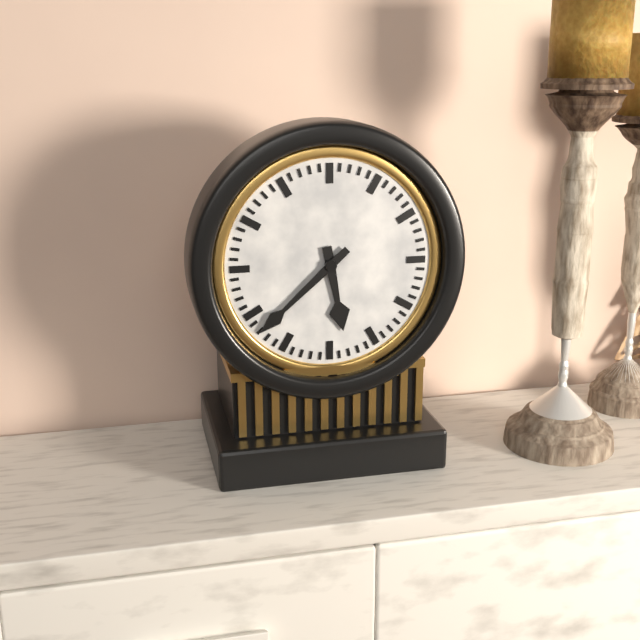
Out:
5.38
